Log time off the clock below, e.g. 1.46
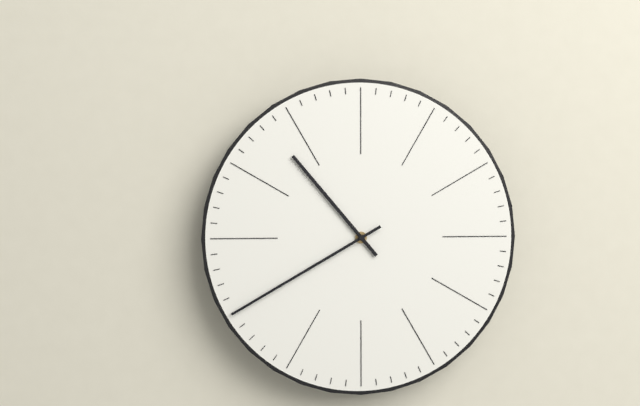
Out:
10.40
